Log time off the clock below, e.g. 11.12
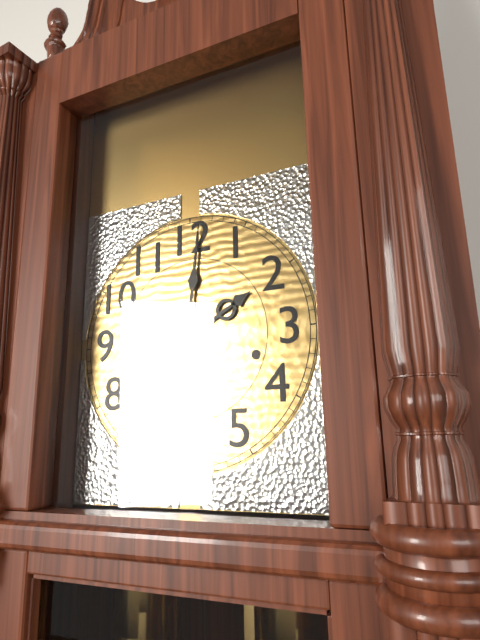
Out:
2.01
